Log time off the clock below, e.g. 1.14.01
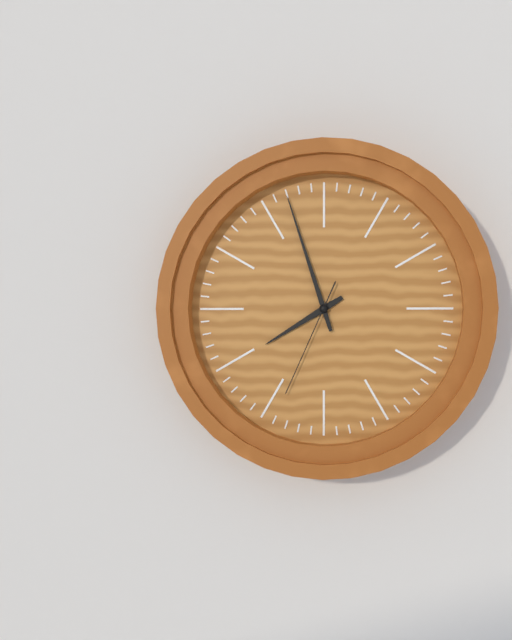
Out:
7.57.34
